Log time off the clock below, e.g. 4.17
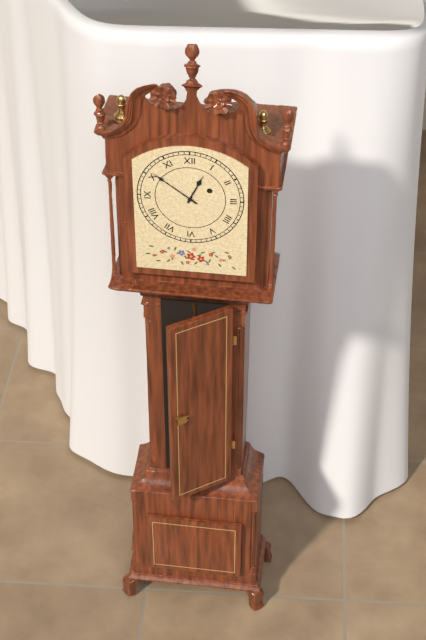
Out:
12.51
